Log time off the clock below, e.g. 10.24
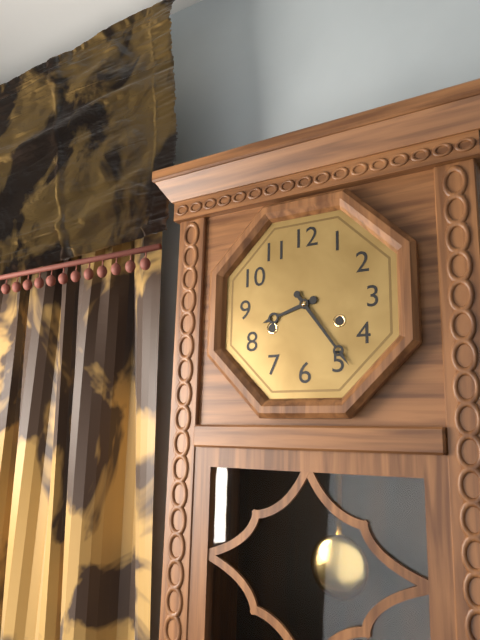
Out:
8.24
